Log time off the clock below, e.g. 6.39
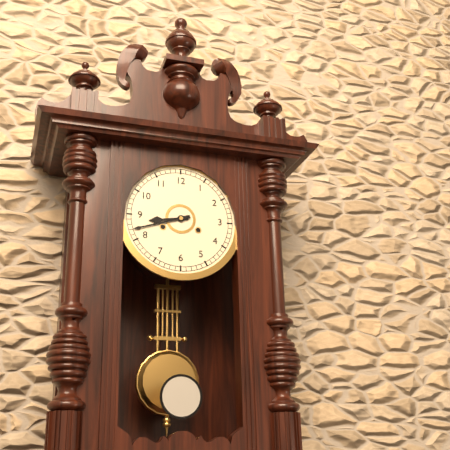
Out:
8.42
